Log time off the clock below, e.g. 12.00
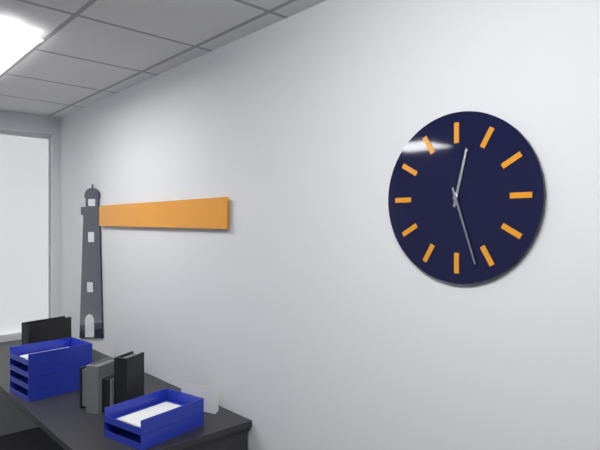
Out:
12.27
